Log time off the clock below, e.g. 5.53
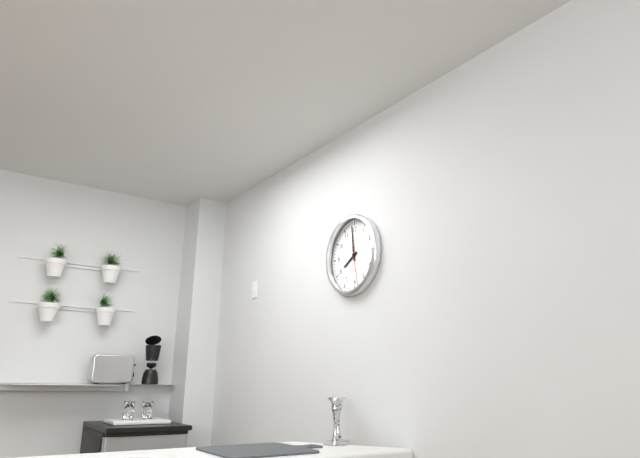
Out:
7.59
